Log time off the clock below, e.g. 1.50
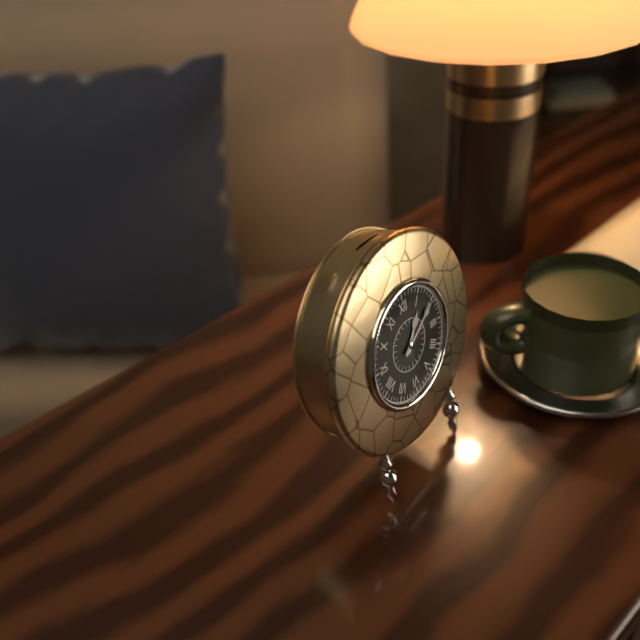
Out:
1.10
